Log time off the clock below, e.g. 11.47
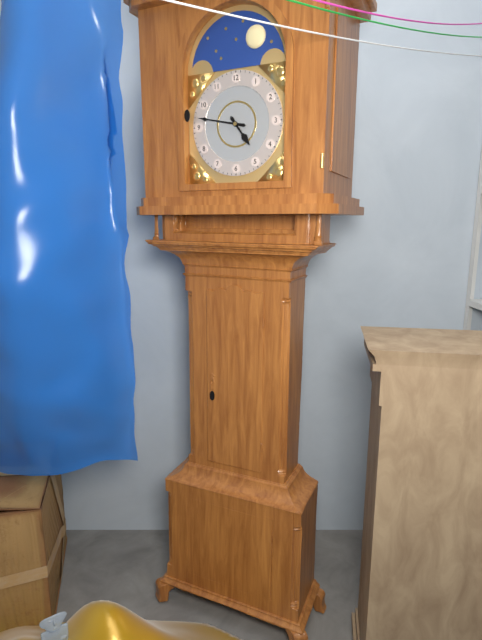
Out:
4.47
